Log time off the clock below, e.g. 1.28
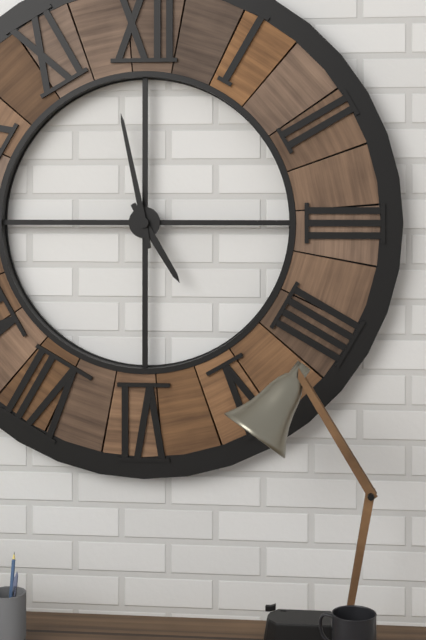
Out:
4.58
